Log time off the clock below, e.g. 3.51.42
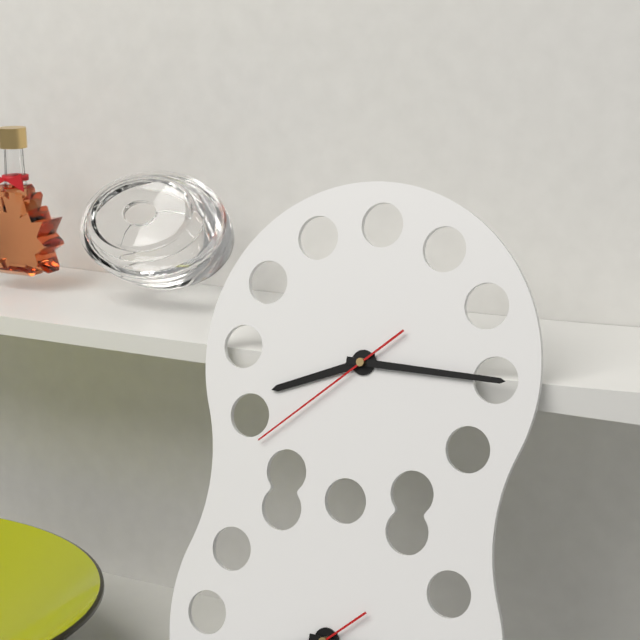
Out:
8.15.38
